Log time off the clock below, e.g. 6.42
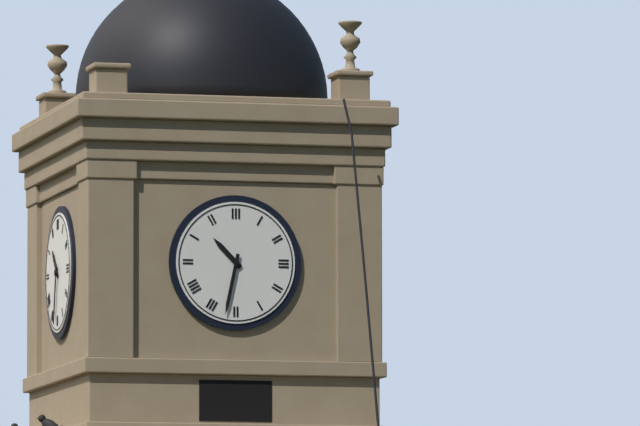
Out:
10.32
